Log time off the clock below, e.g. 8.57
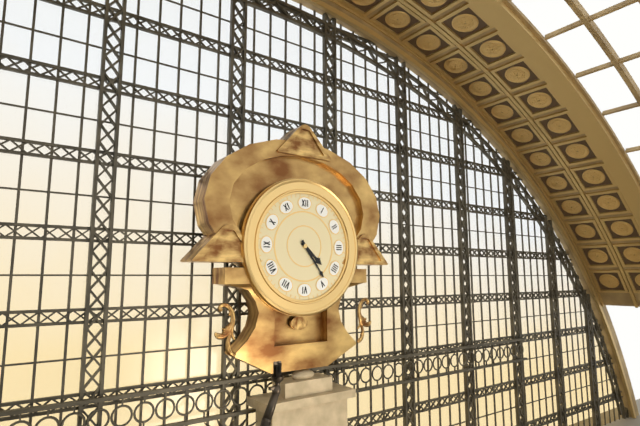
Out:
4.24
